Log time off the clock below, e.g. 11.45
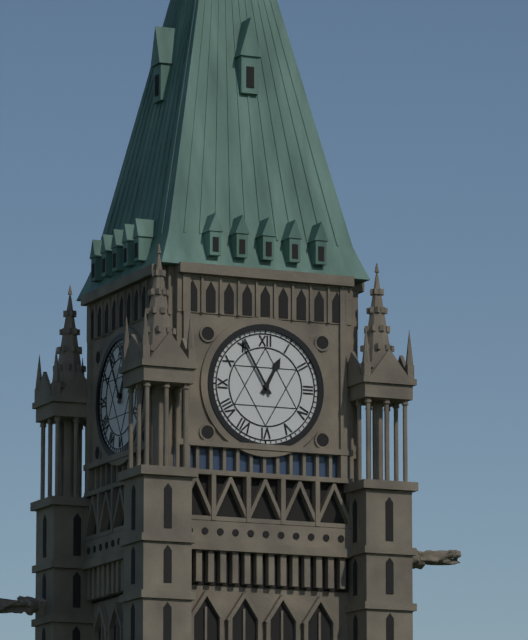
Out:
12.55
